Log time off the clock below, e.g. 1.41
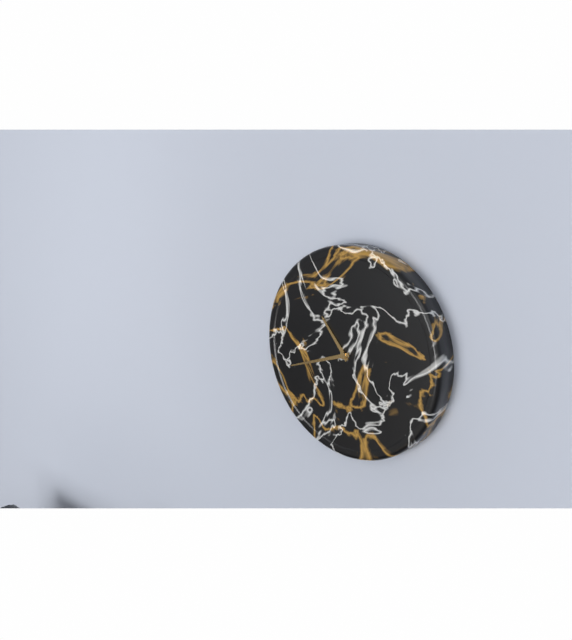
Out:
10.42
